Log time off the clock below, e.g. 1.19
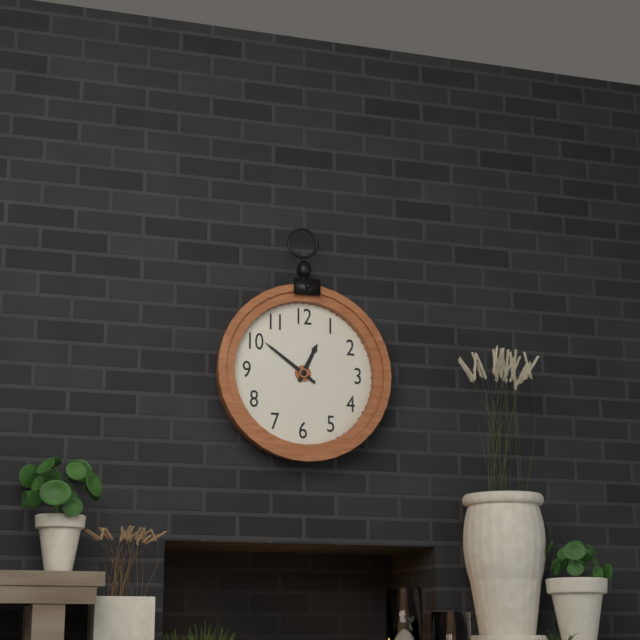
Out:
12.51
